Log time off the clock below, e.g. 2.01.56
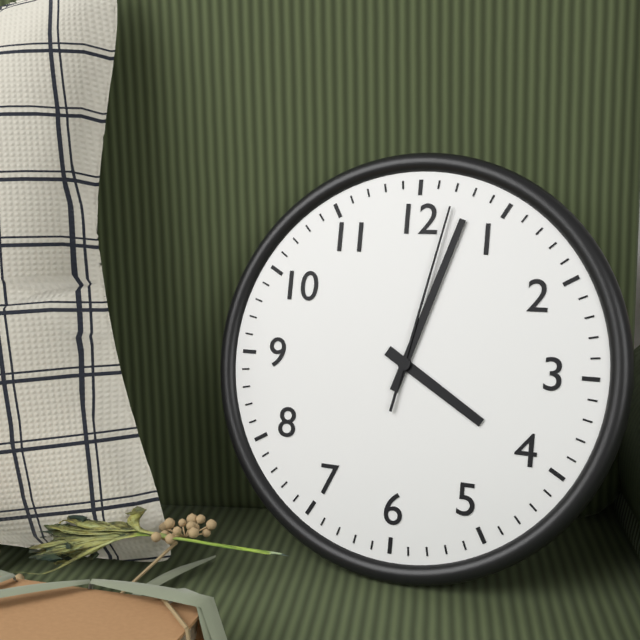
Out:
4.03.02
